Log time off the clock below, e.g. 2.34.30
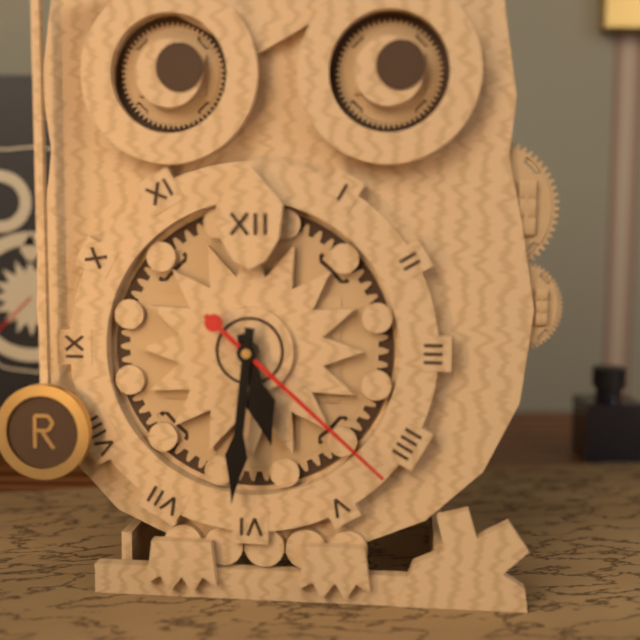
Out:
5.31.22
